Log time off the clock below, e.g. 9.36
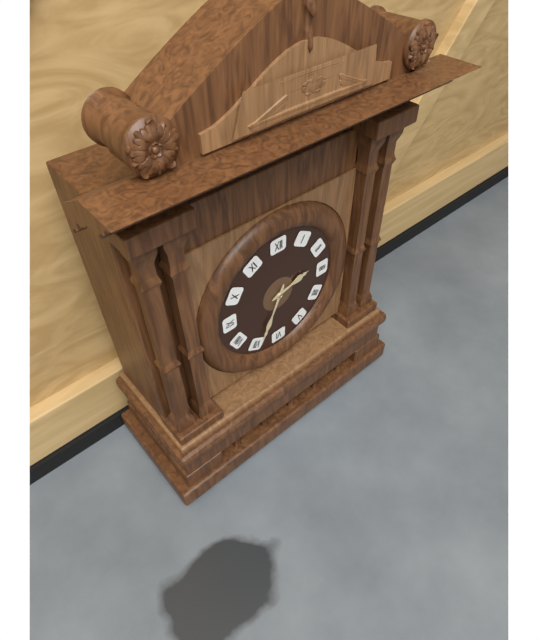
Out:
2.34
